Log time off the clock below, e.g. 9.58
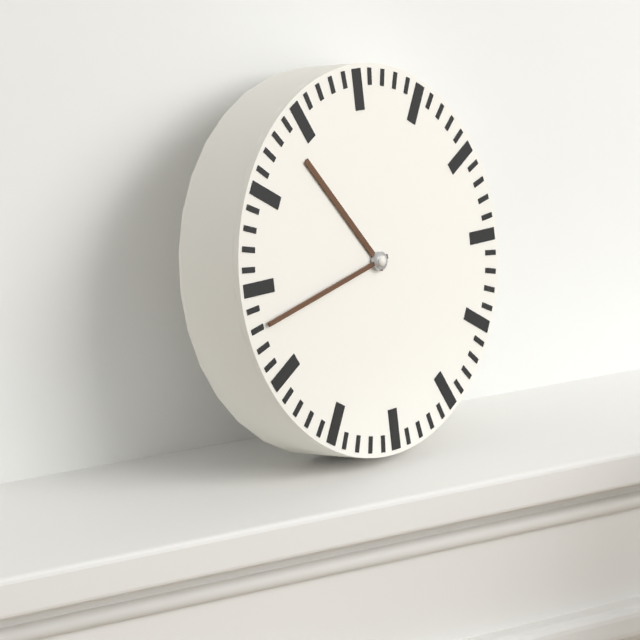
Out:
10.43
